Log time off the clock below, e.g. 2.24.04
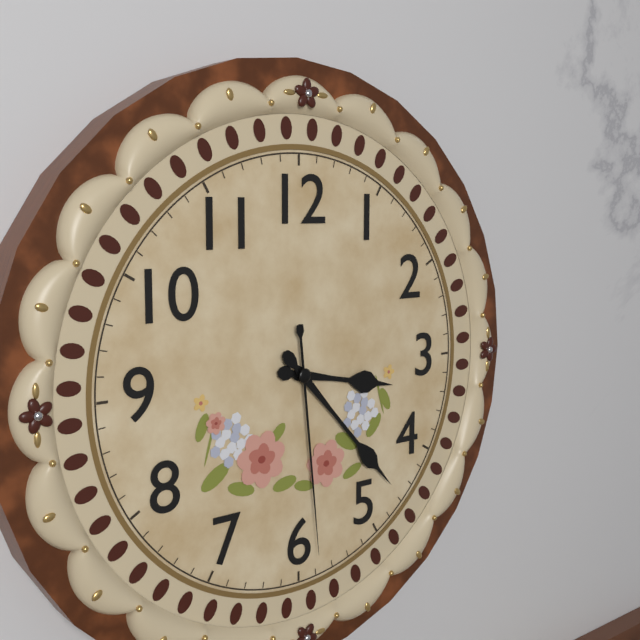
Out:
3.23.29
